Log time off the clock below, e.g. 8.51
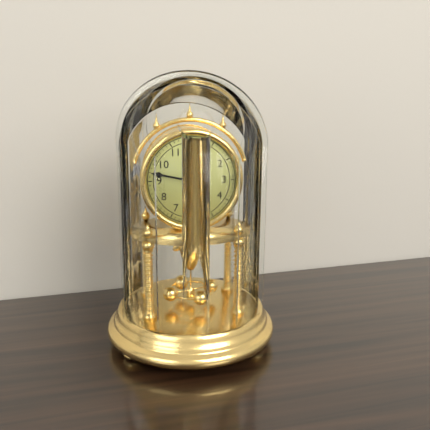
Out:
11.47
